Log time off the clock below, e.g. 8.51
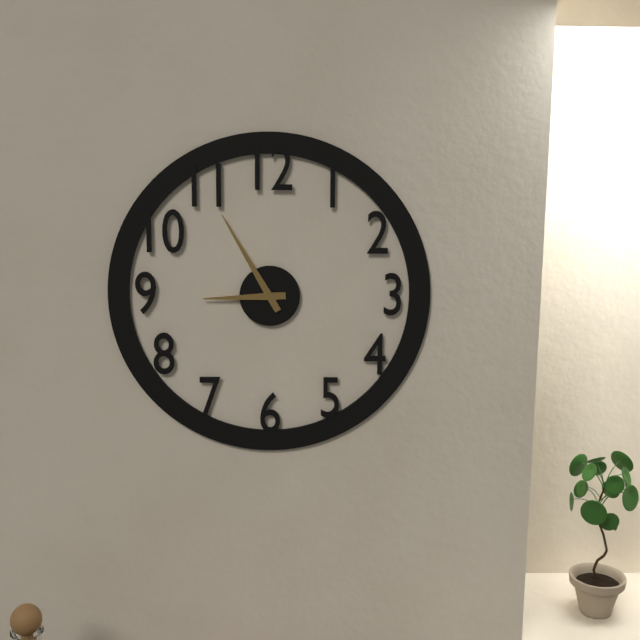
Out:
8.55
